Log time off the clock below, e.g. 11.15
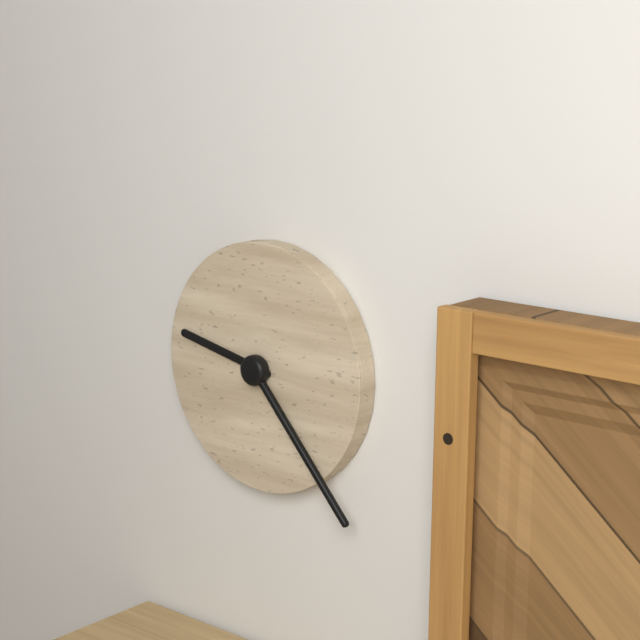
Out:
9.23
